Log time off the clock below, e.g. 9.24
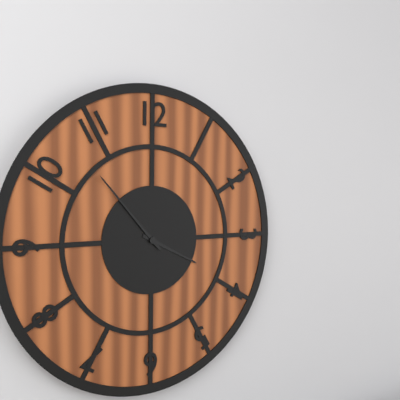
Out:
3.53
